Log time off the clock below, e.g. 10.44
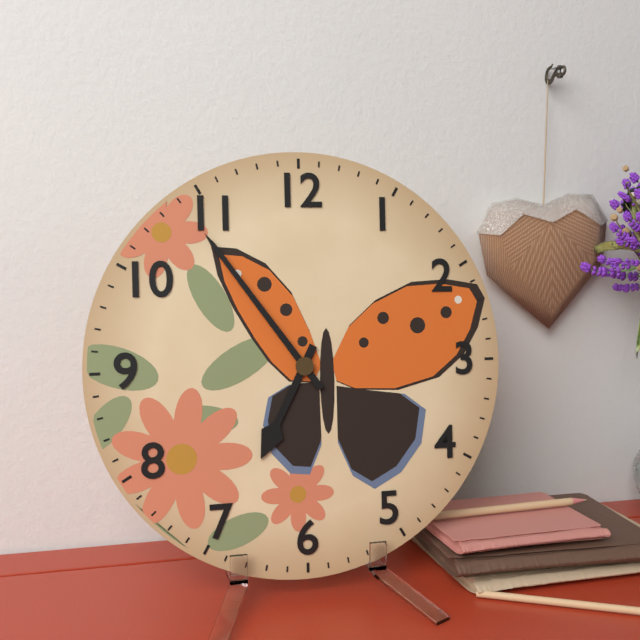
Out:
6.54
